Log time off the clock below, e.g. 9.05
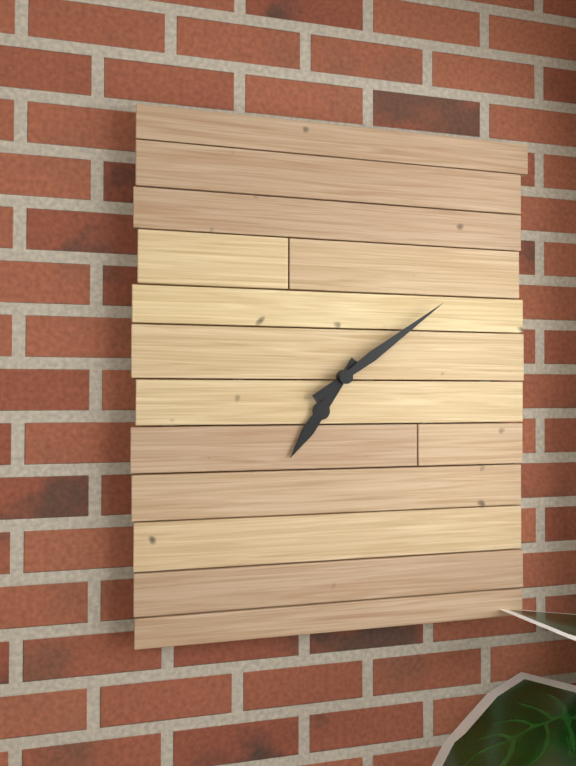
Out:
7.09
